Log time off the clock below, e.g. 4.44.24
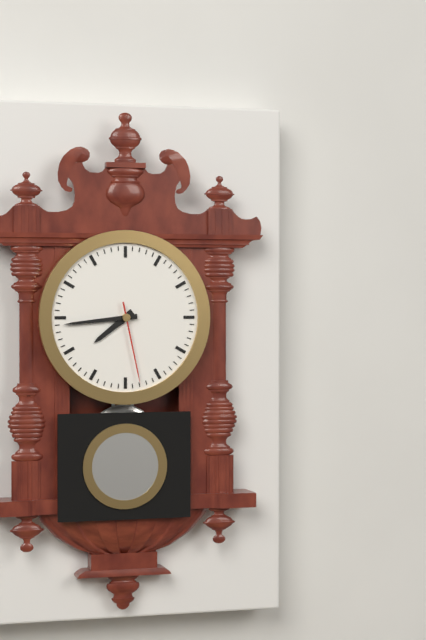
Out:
7.44.28
